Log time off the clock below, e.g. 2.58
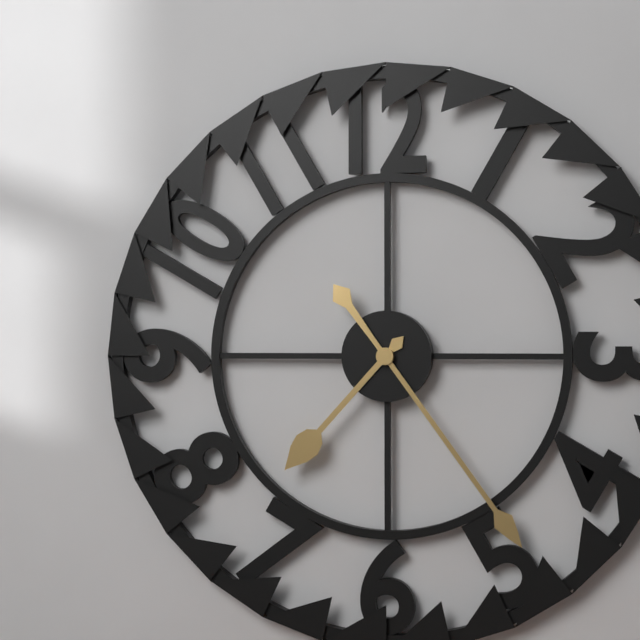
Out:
7.24
